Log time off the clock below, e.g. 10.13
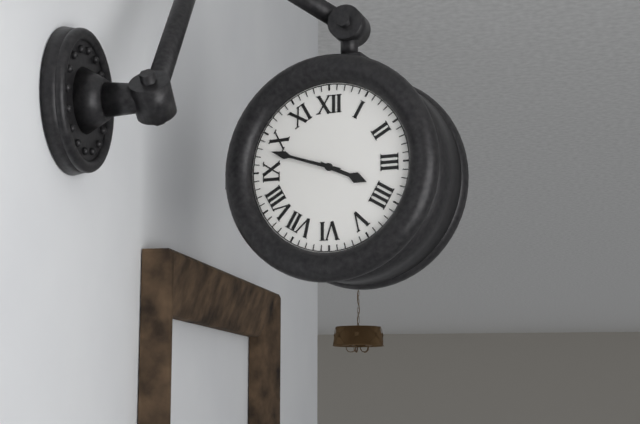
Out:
3.48
